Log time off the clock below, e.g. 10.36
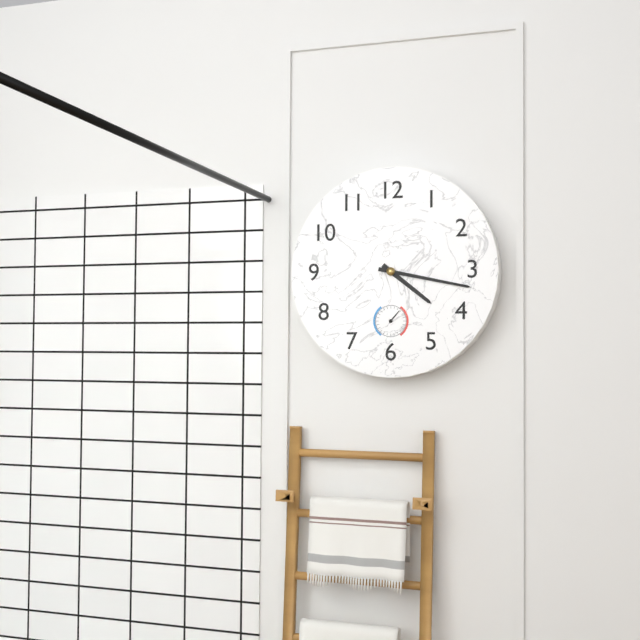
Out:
4.17
